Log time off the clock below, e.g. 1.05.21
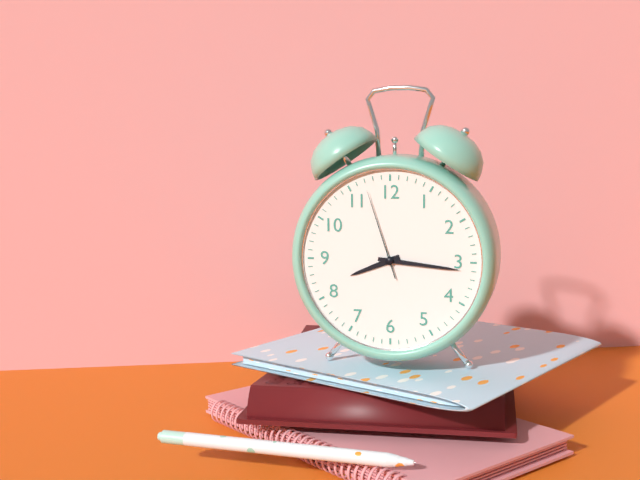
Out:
8.16.57
